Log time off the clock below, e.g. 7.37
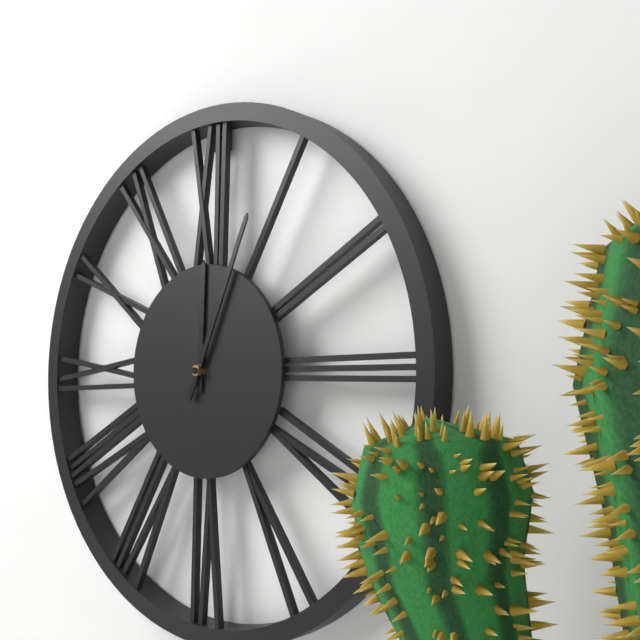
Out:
12.04
